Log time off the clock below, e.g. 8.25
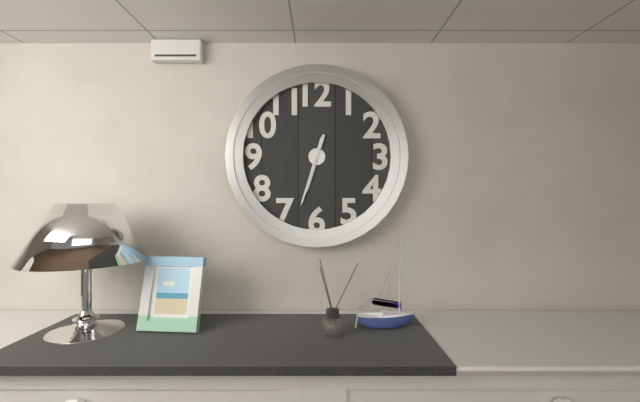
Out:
6.33
